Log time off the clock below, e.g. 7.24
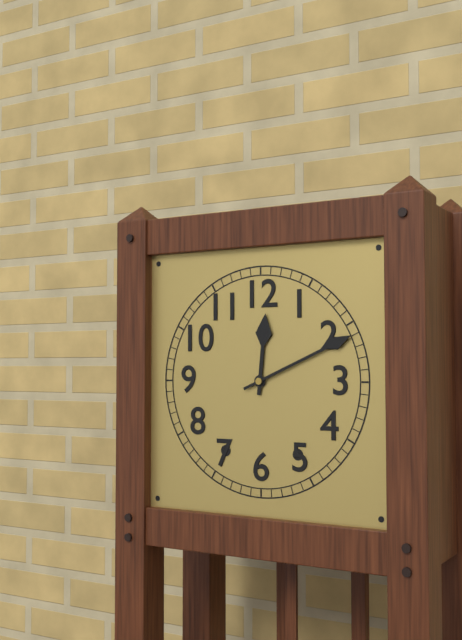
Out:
12.11
